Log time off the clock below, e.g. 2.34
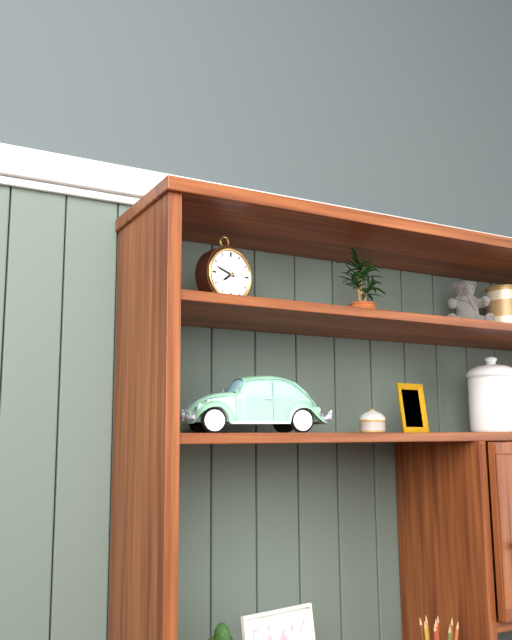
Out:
7.48
